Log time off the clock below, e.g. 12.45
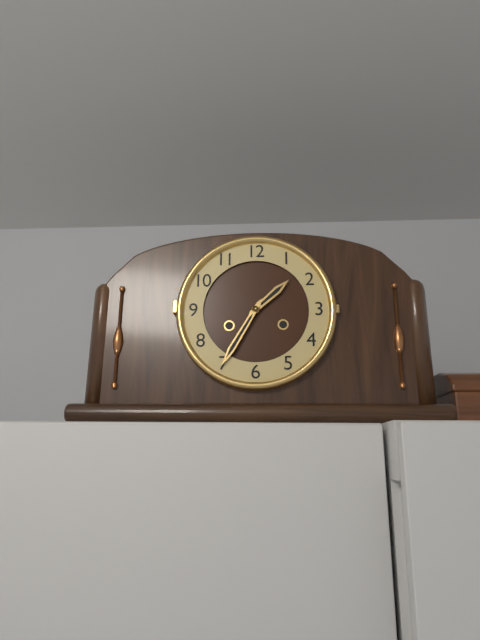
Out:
1.35
